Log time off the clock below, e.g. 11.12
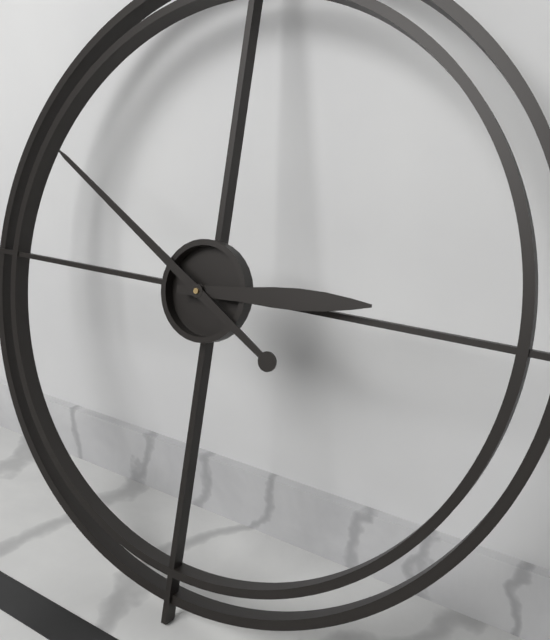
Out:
2.50
